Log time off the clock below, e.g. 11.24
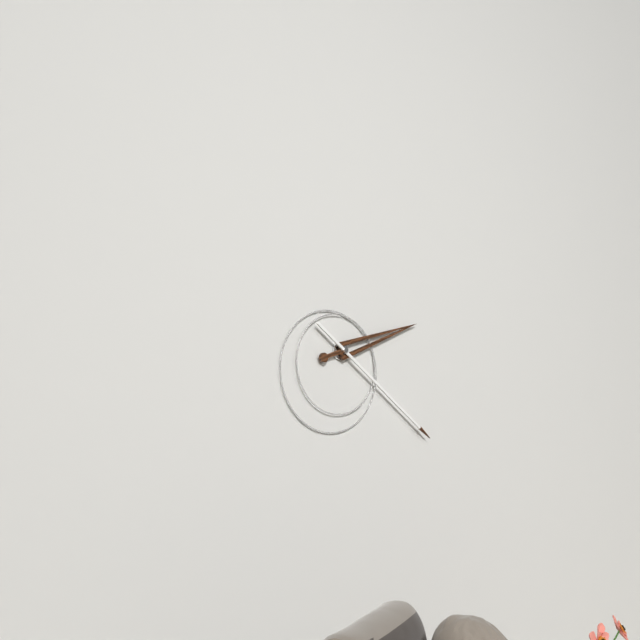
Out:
2.21
